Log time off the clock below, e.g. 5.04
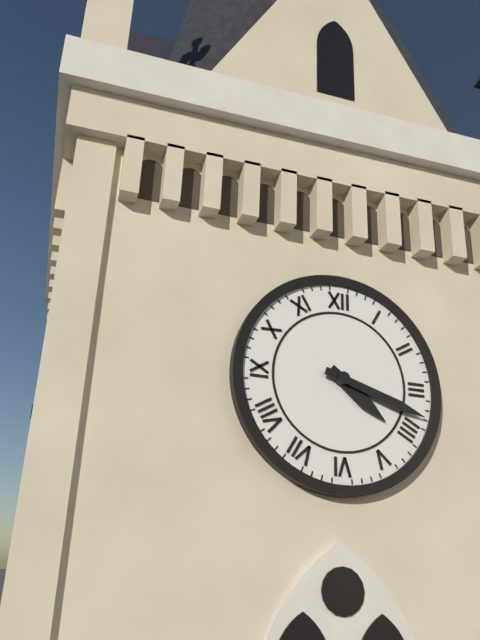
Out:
4.18
